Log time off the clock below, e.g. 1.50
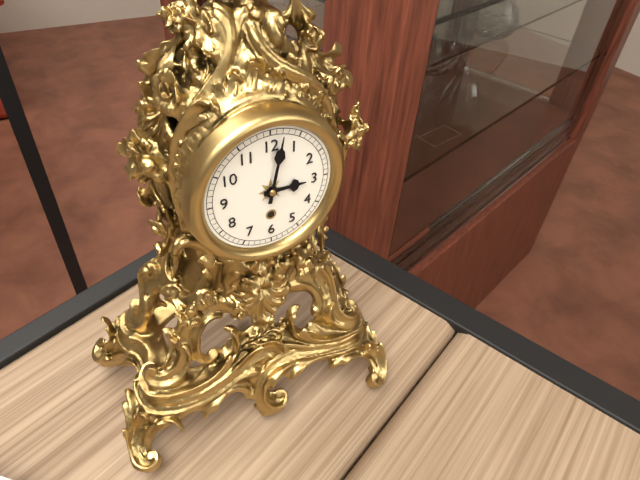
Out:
3.02
